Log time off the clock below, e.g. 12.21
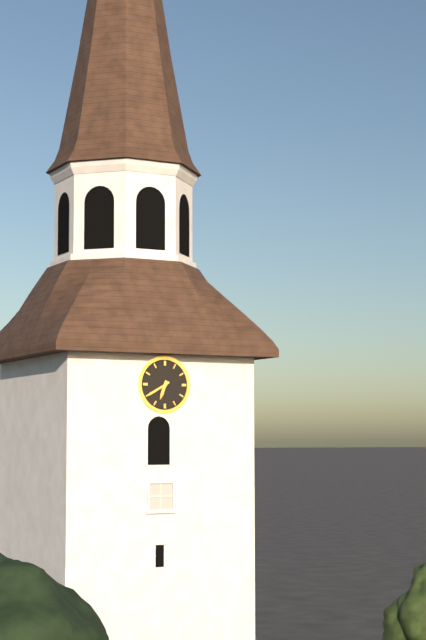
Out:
6.40
